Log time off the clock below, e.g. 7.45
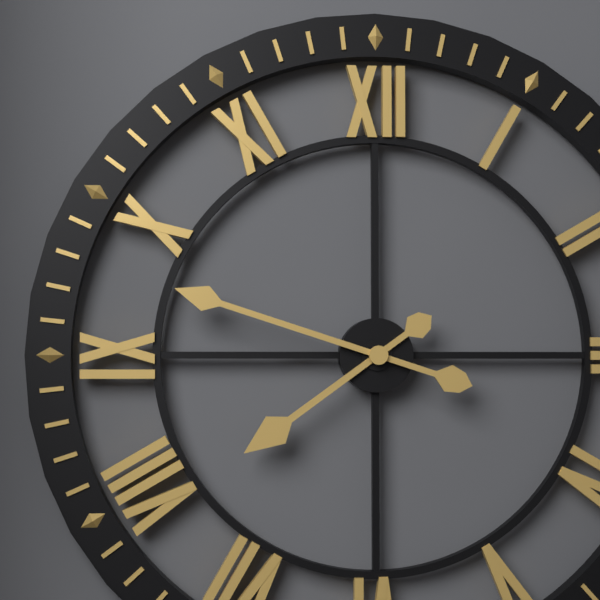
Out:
7.48
